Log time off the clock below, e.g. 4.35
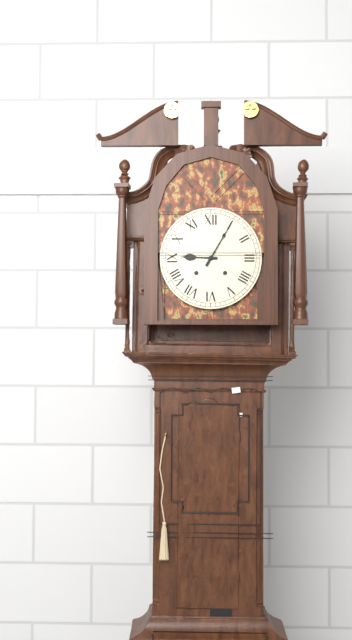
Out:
9.05
